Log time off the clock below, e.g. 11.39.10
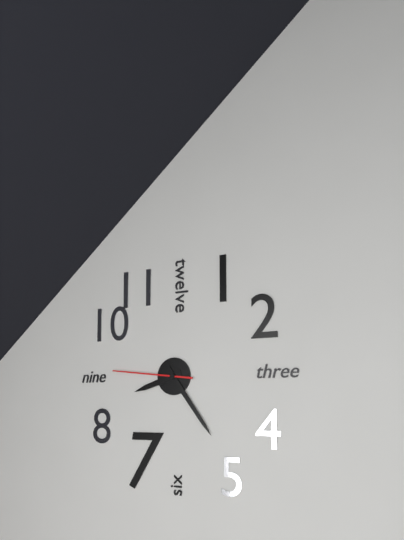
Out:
8.24.46
